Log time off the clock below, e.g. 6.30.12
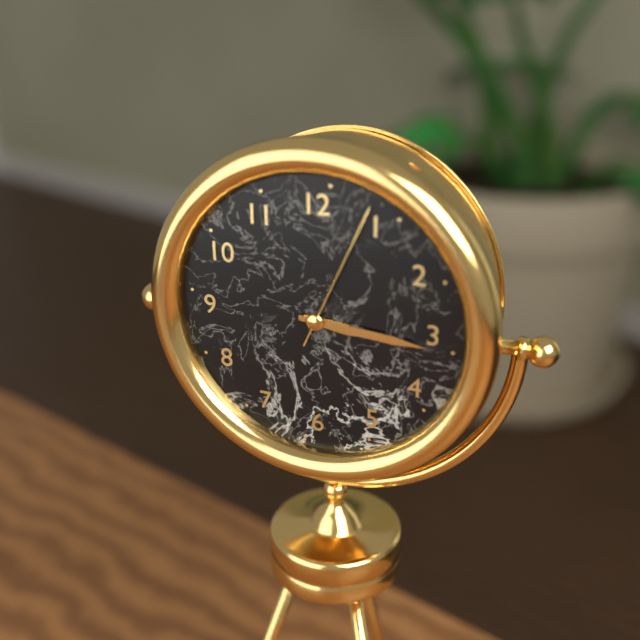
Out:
3.16.04
